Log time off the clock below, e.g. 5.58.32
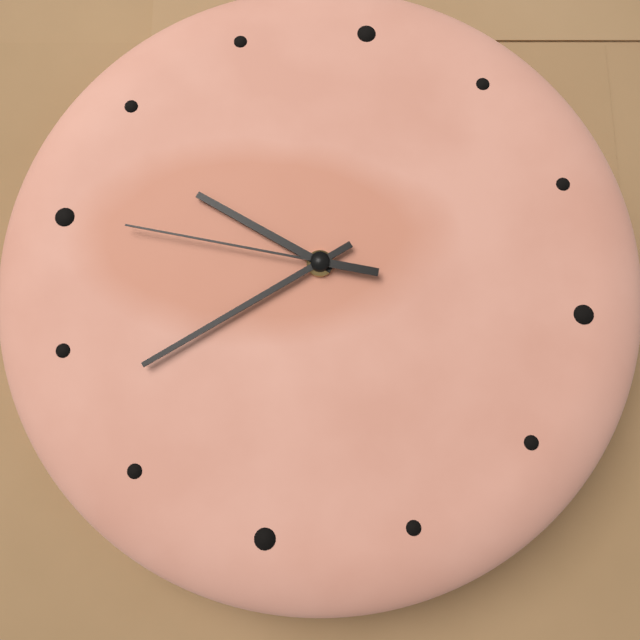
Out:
9.38.45
